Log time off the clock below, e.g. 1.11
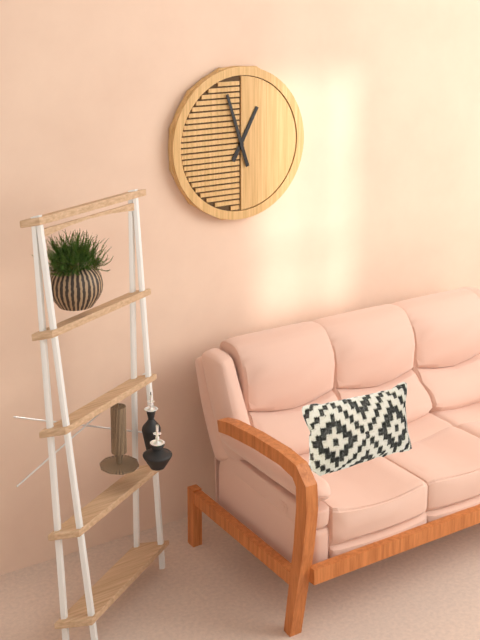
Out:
12.57
